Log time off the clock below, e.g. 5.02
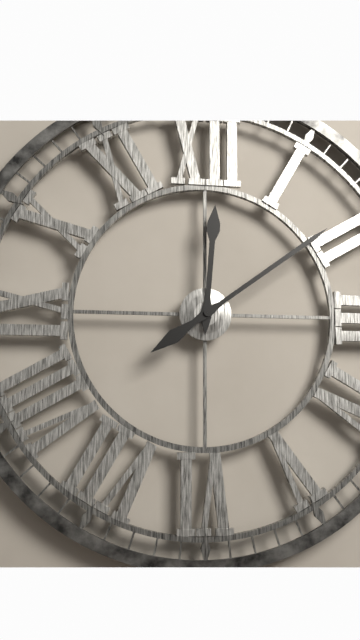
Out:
12.09
